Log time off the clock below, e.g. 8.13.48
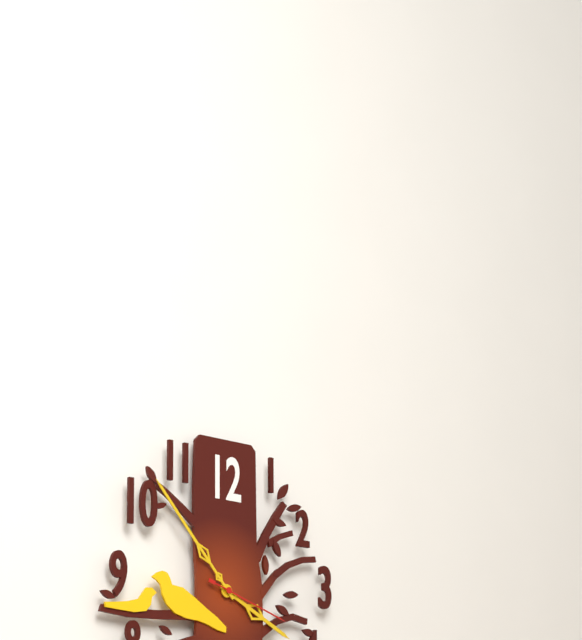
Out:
3.53.18
